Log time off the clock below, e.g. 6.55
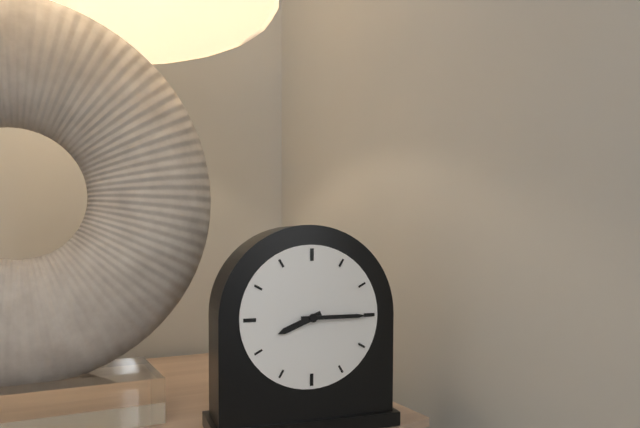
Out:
8.15
